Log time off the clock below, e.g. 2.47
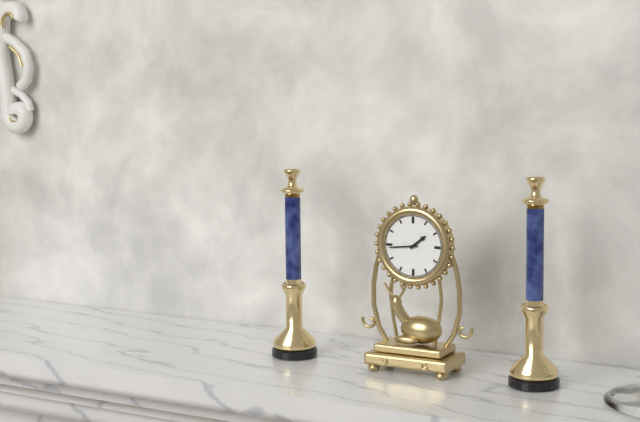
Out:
1.44
